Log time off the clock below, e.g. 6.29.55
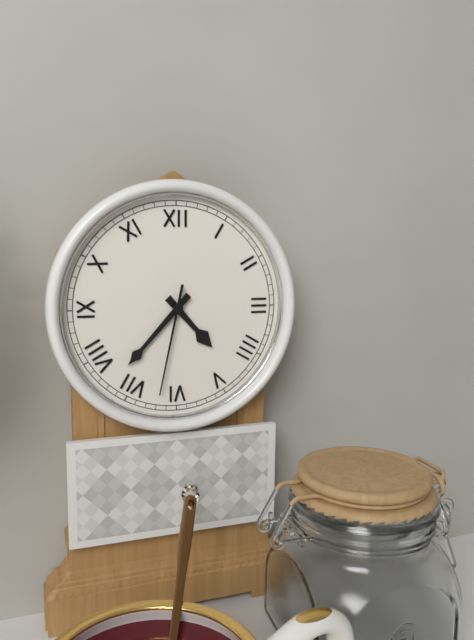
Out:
4.37.32
